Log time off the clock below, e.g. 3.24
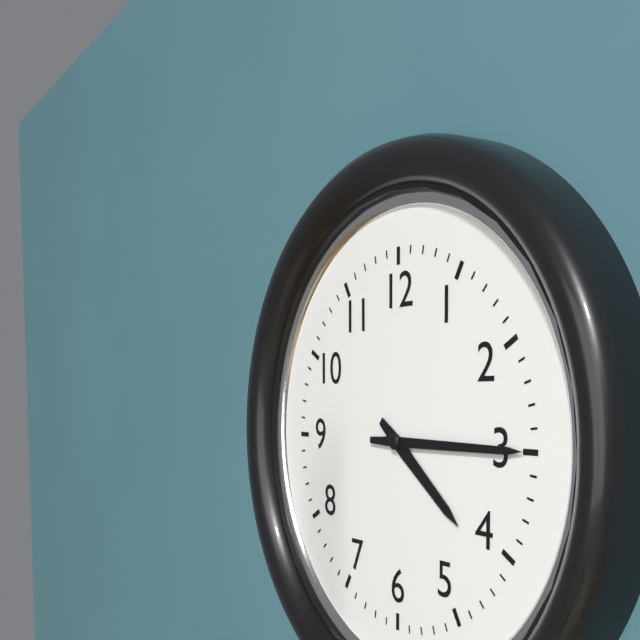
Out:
4.15
